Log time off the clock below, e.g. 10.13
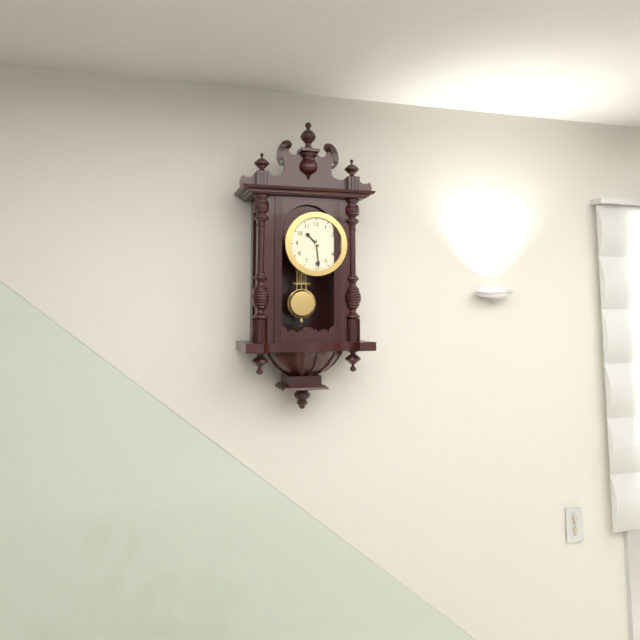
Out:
10.29
